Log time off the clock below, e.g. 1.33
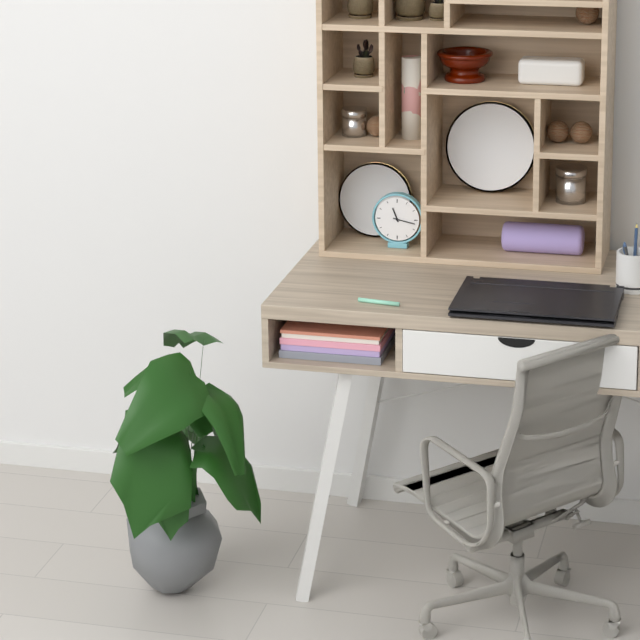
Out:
11.17
